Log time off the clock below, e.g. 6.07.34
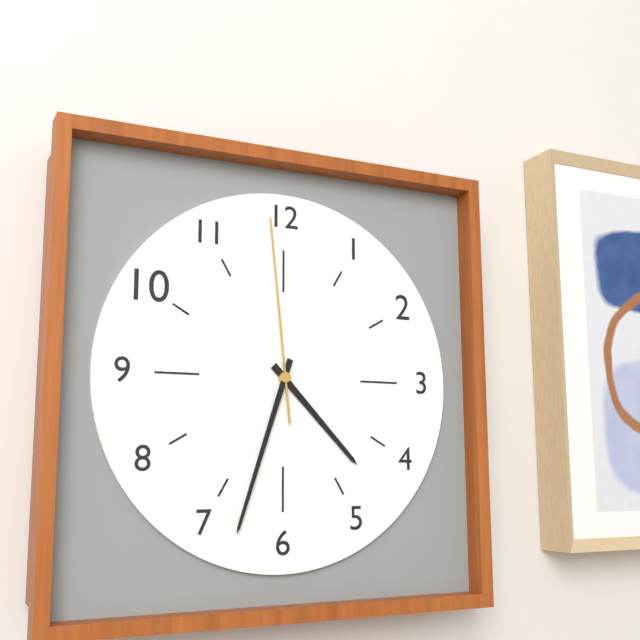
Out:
4.33.59
